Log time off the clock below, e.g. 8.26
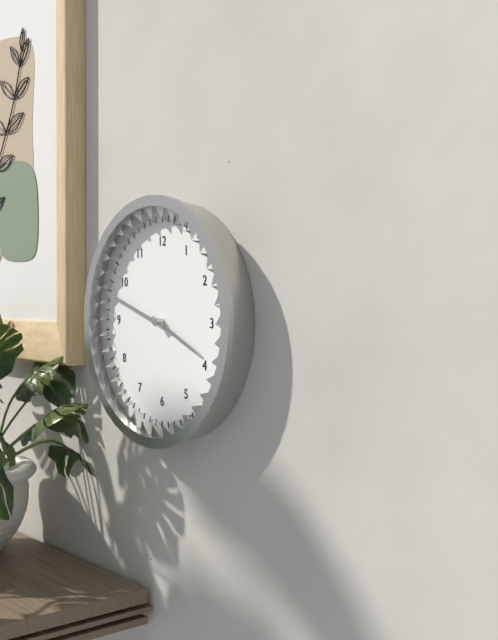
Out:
3.48
